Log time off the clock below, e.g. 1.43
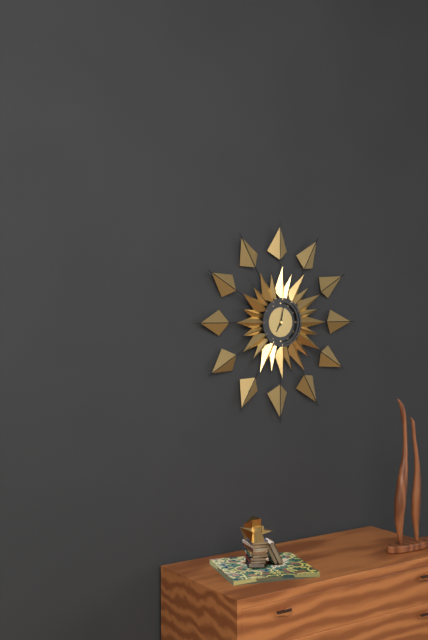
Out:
7.02
